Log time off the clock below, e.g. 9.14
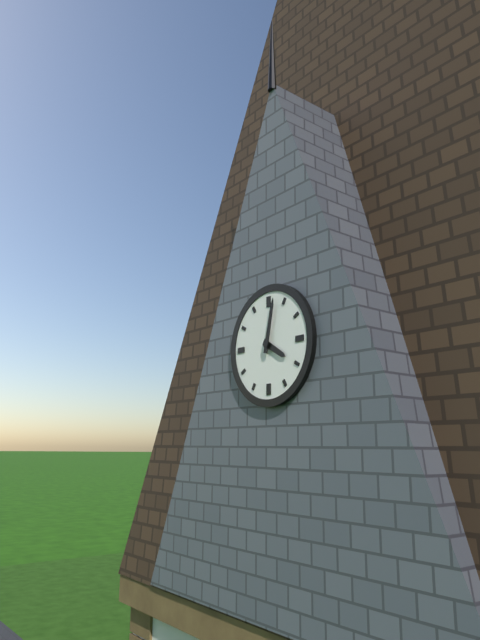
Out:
4.02
